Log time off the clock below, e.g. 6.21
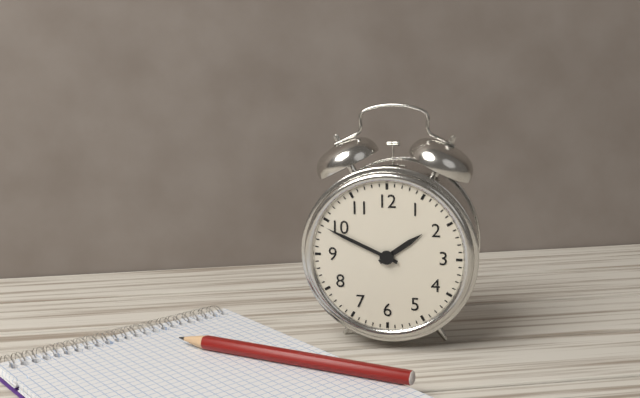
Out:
1.49
